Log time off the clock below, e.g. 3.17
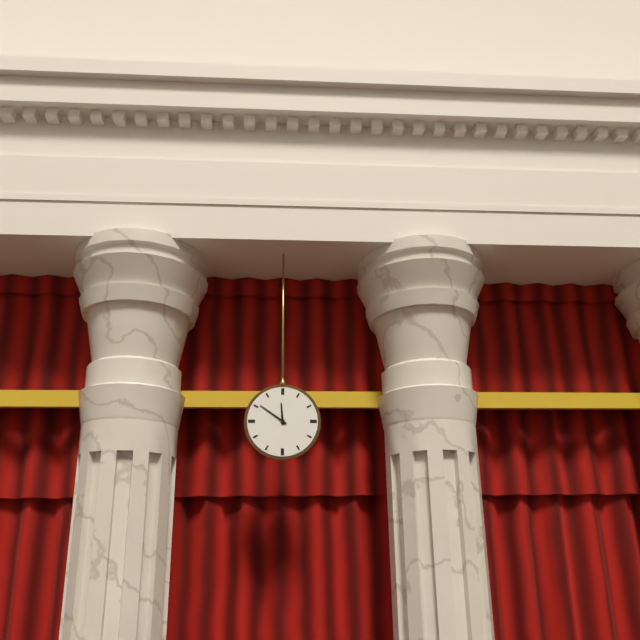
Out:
11.51
